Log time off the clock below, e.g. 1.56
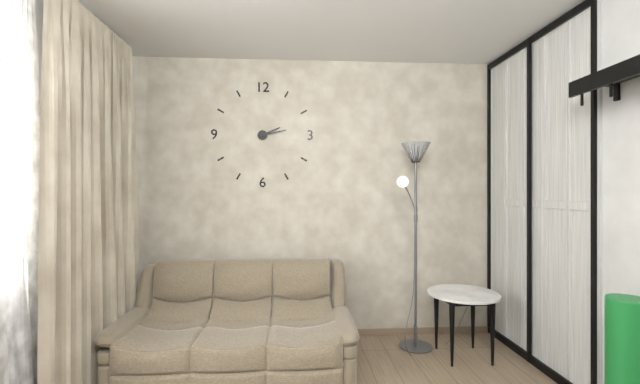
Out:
2.13
